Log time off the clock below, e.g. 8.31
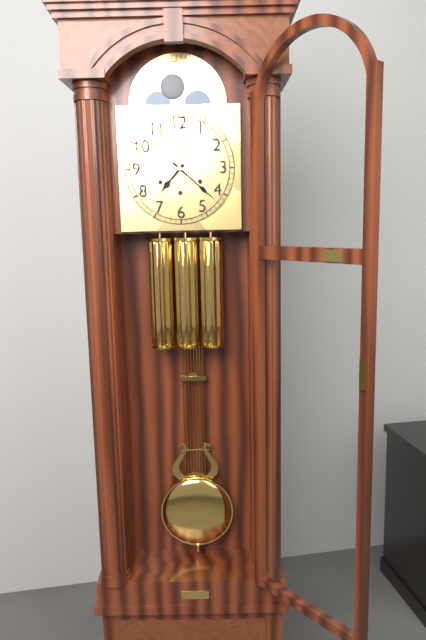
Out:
7.22
